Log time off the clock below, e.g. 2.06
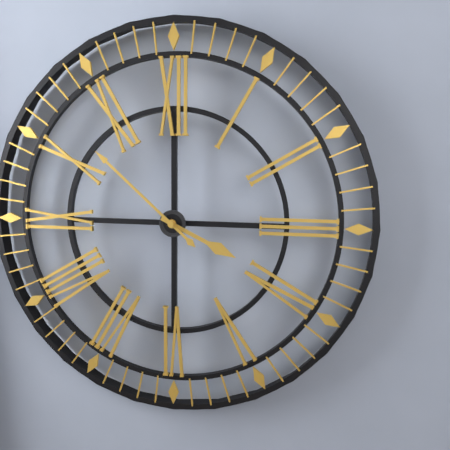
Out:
3.52
